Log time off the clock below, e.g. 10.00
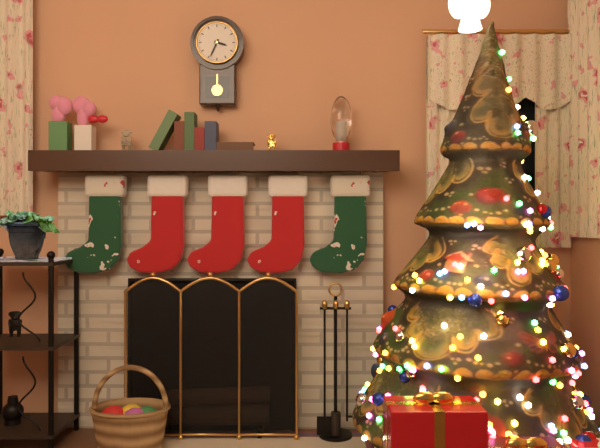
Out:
3.34
